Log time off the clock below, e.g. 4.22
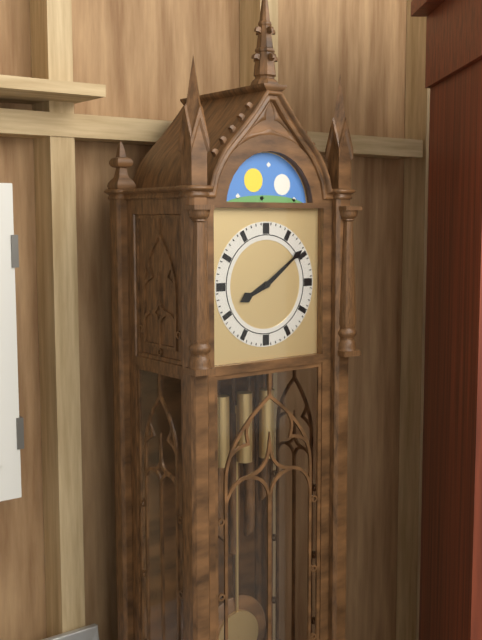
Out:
8.09
